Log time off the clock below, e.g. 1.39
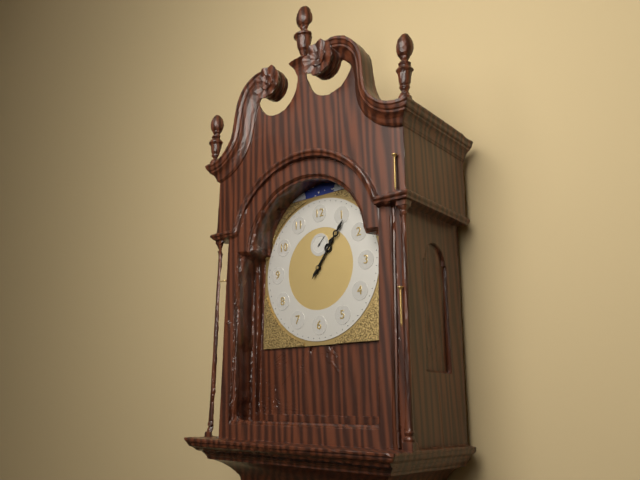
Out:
1.06
